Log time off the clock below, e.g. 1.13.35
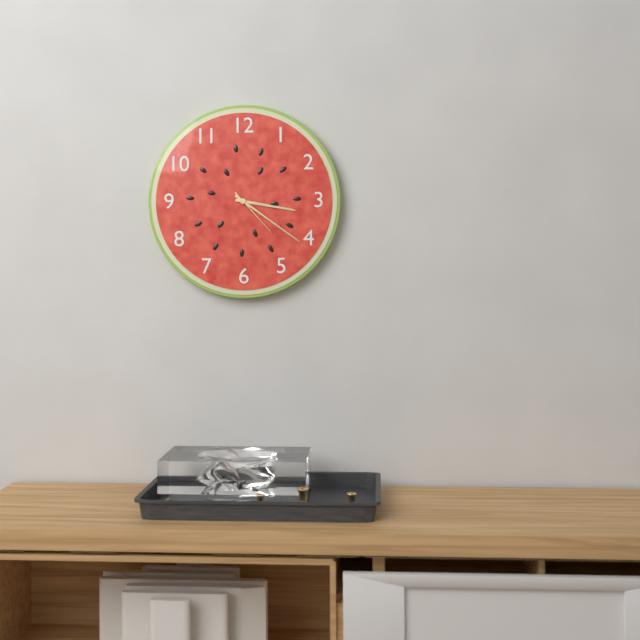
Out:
3.21.23
